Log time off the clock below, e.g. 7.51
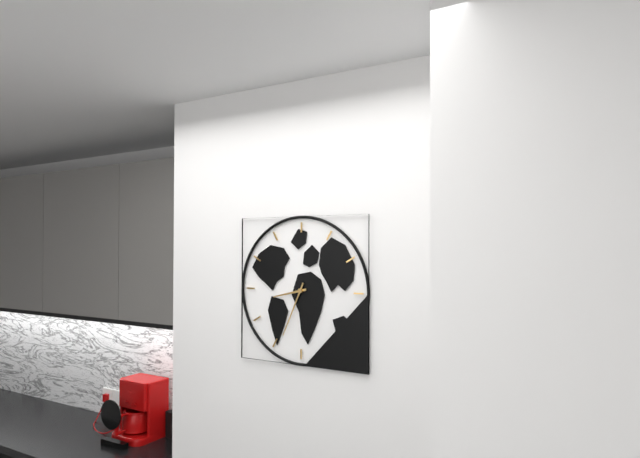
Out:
8.34
